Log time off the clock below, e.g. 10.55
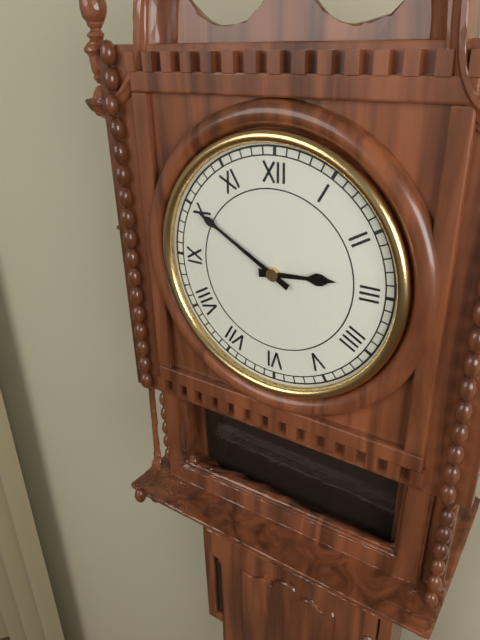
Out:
2.50
